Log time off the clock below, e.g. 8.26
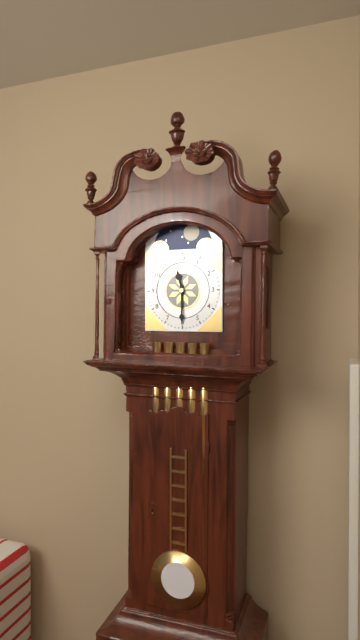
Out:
11.30
